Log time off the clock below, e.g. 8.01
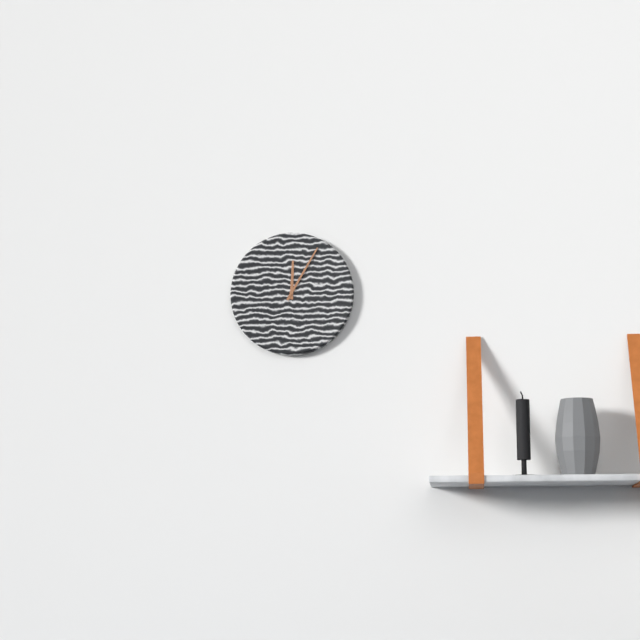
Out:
12.05
